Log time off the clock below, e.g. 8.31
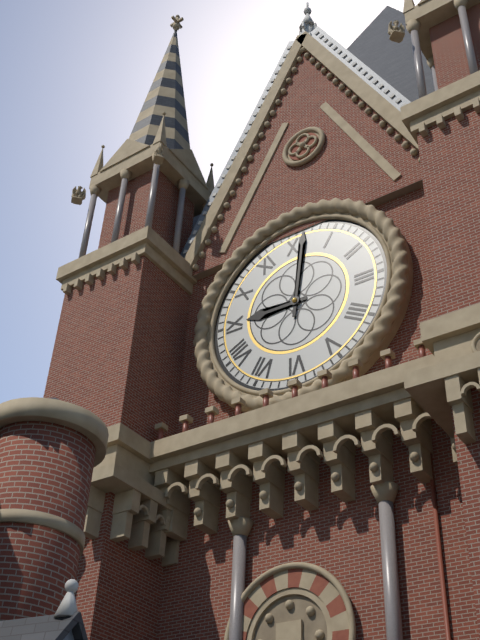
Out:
9.01
